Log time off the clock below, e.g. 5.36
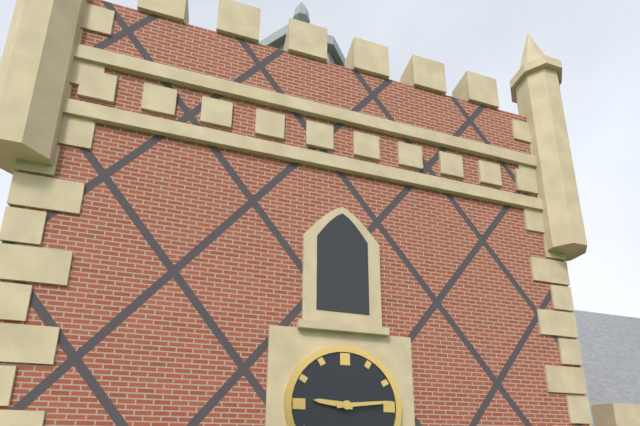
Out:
9.14
